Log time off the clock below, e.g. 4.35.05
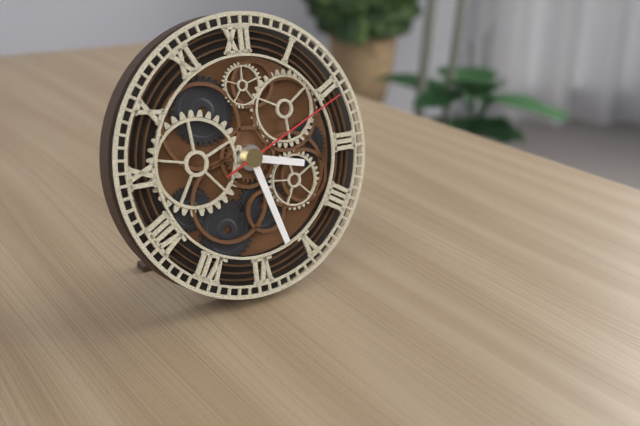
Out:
3.27.11
